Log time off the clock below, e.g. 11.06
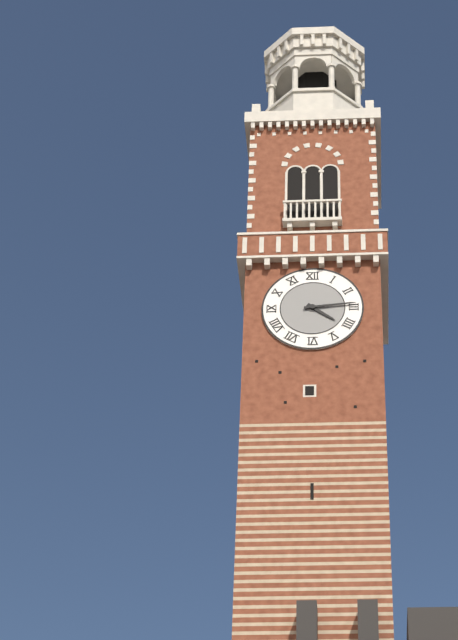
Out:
4.14
